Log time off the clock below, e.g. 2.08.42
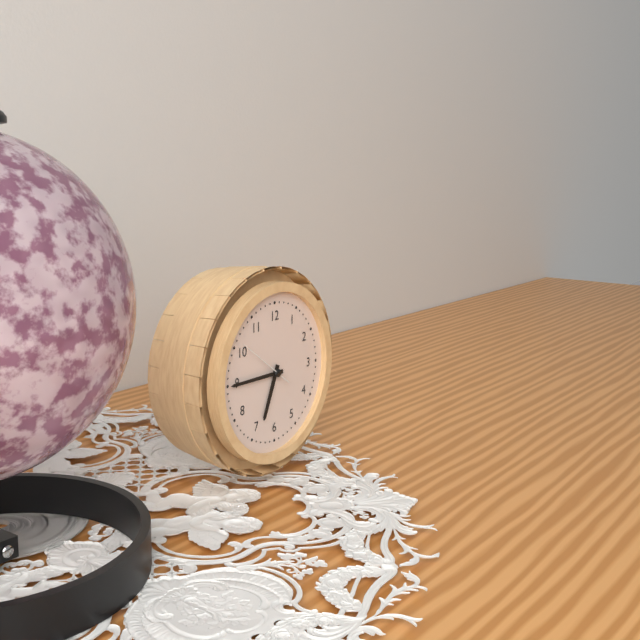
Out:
6.45.51
